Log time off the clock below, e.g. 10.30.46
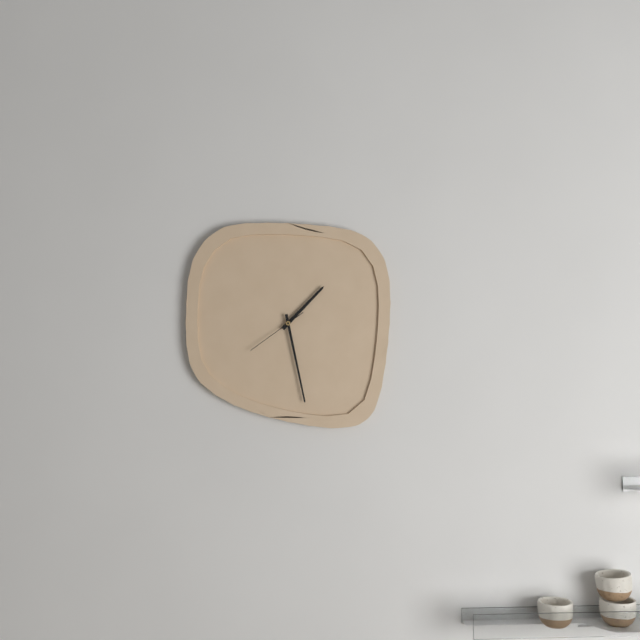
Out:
1.28.39
